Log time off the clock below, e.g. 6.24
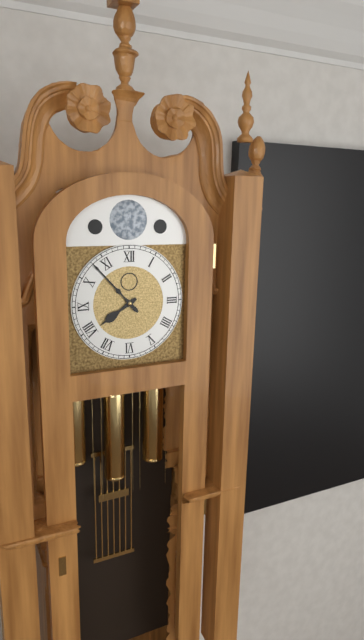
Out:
7.53
